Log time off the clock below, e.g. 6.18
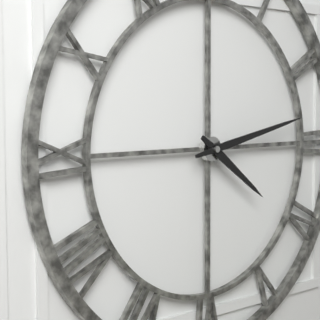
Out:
4.13
